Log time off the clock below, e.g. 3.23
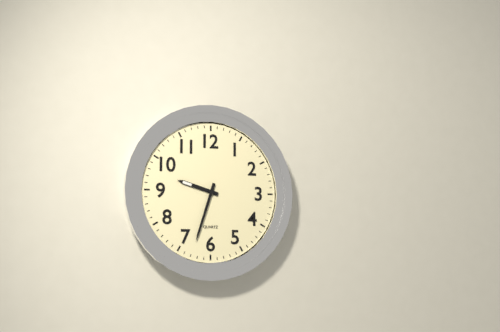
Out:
9.33
